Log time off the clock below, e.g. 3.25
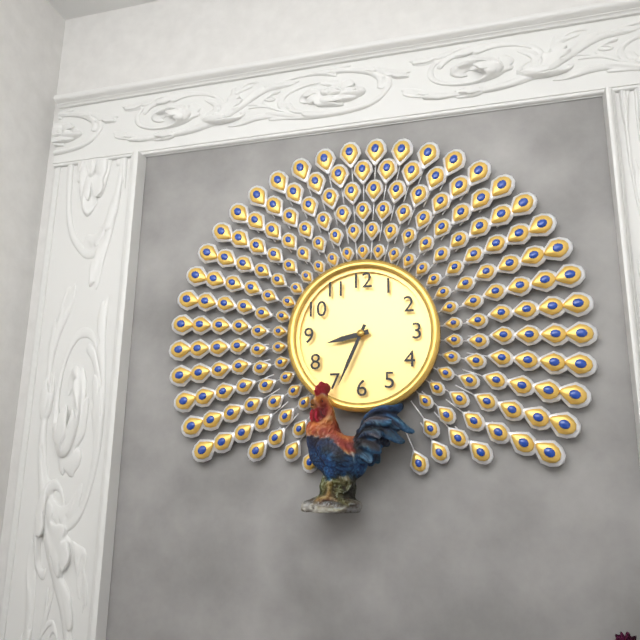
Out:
8.34
